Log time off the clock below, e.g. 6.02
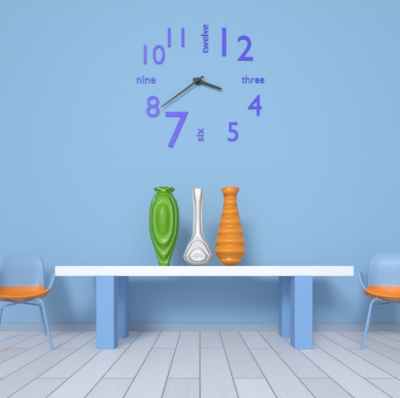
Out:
3.39
